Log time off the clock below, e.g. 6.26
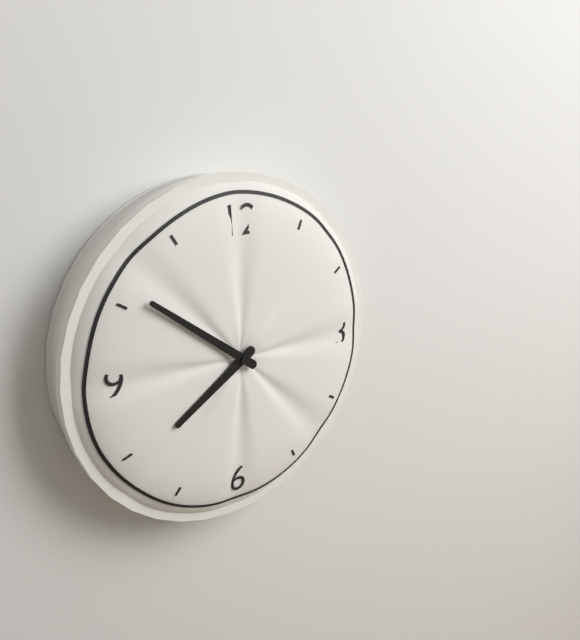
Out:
7.51
